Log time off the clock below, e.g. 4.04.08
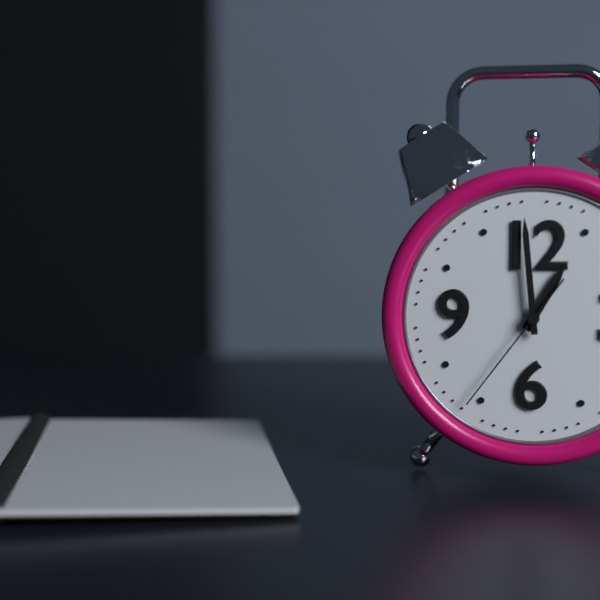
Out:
12.59.36
